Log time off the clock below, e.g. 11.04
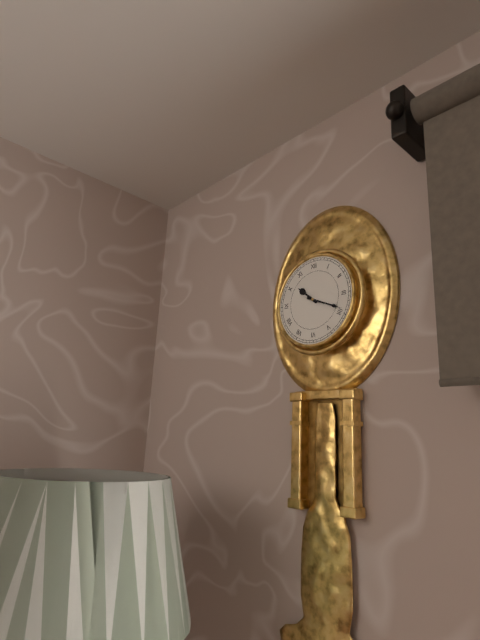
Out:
10.19
